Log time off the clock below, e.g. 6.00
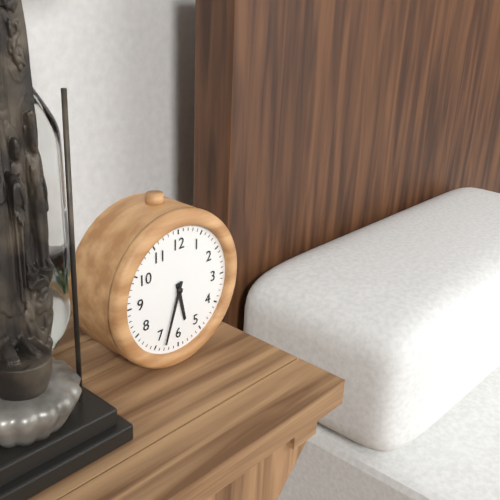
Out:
5.33
